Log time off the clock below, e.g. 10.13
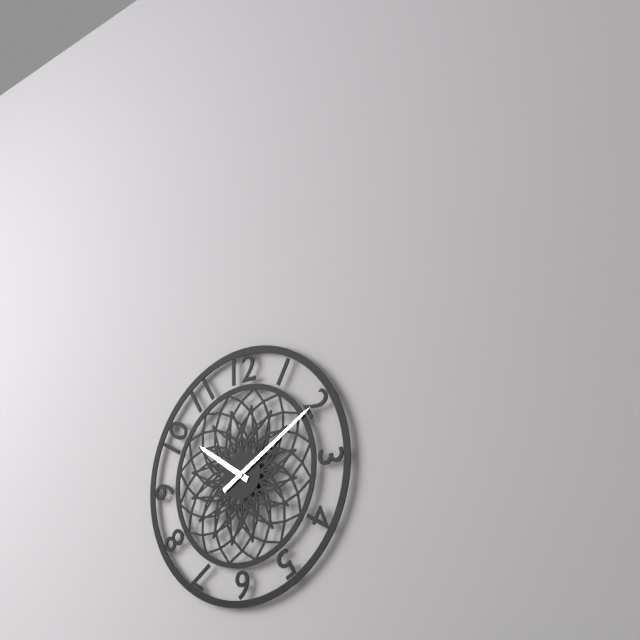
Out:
10.10
